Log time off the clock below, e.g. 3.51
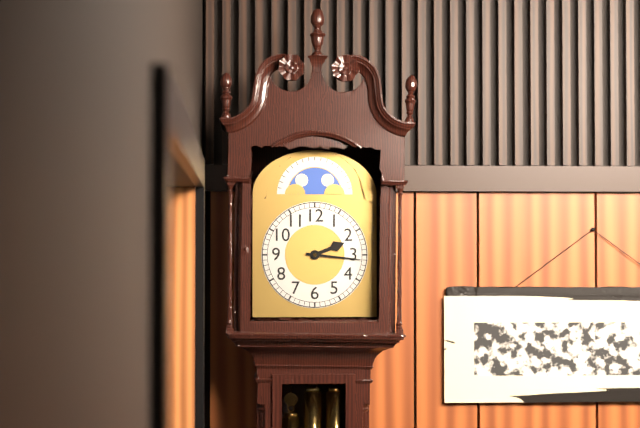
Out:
2.16
